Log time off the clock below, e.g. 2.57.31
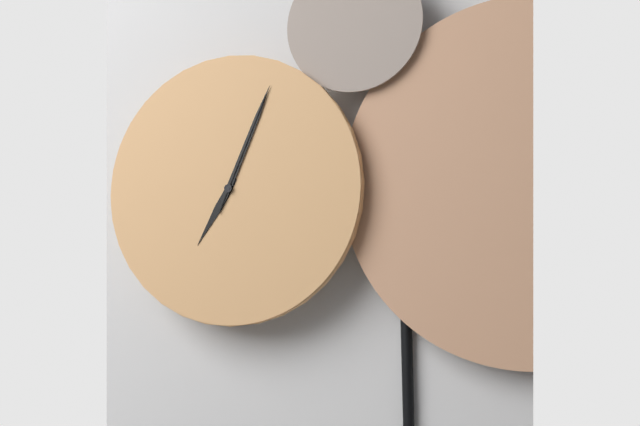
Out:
7.04.04
